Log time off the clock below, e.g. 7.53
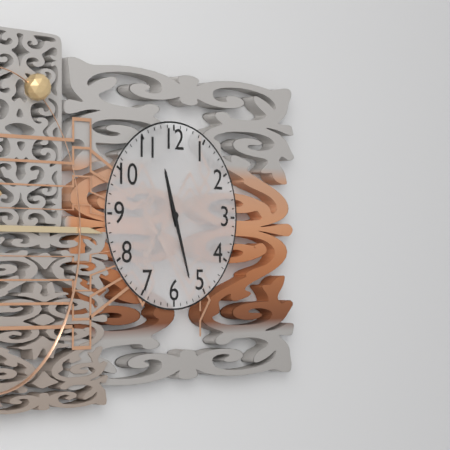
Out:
11.27
